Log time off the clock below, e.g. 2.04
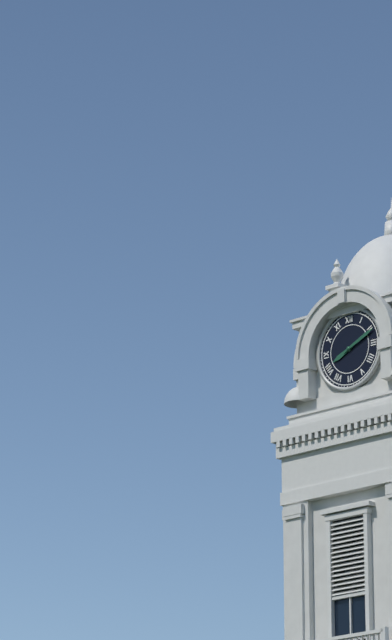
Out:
8.11
